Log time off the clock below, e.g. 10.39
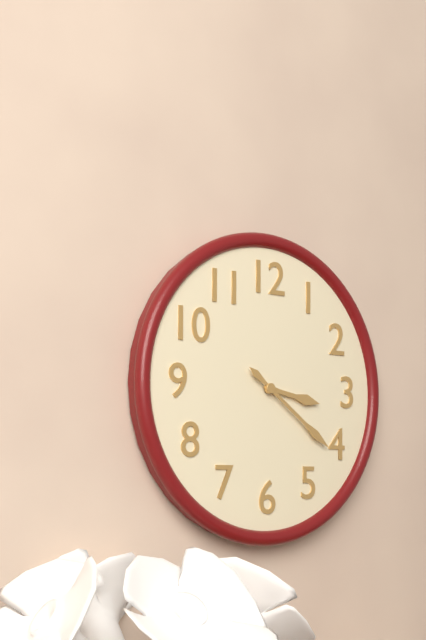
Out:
3.21
